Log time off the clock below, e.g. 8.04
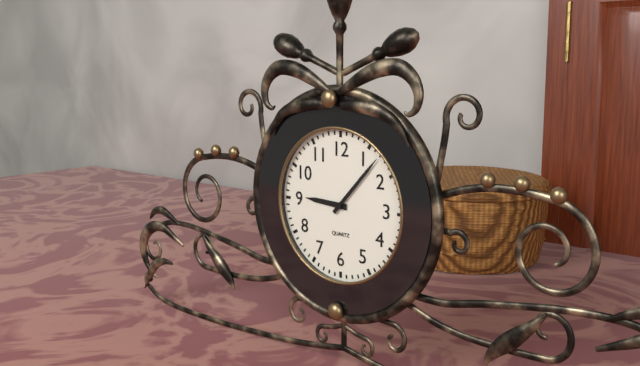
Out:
9.07
